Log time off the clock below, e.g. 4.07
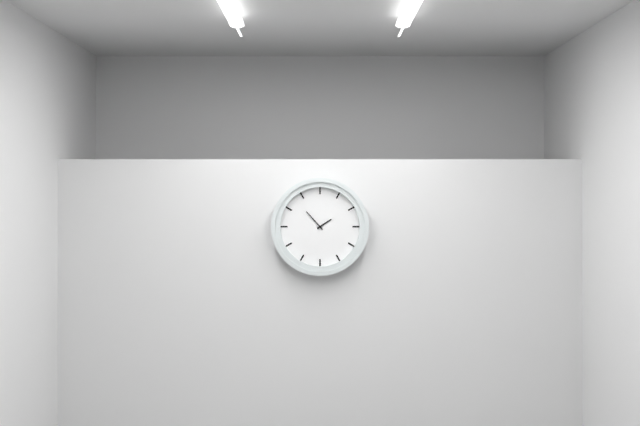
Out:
1.53
